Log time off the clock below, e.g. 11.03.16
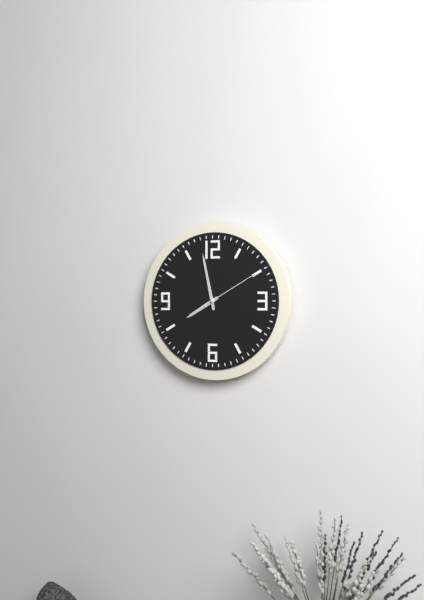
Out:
7.58.10
